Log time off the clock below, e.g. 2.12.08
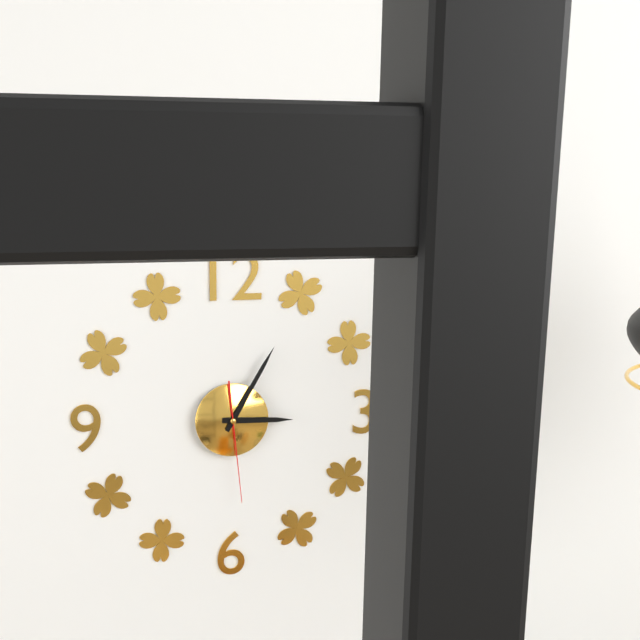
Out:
3.05.29
